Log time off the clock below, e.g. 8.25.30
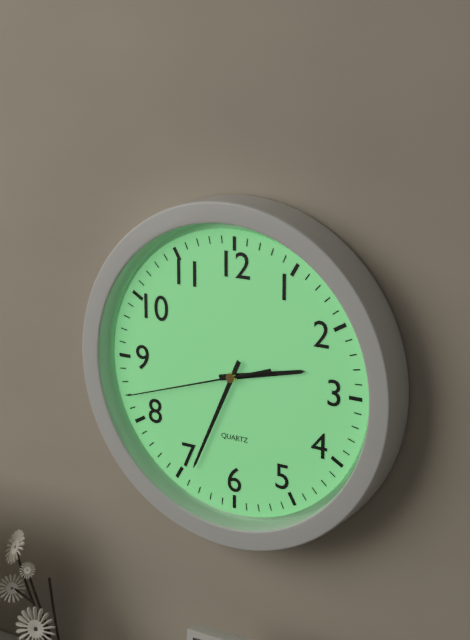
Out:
2.34.42
